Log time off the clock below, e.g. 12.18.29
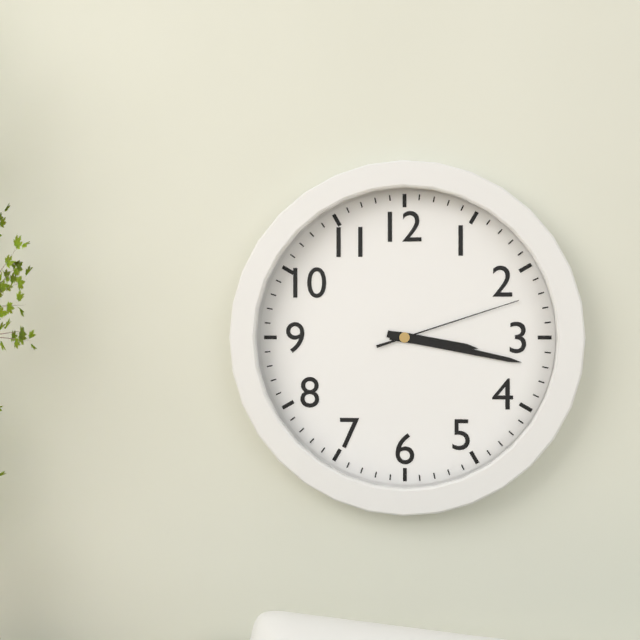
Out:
3.17.12
